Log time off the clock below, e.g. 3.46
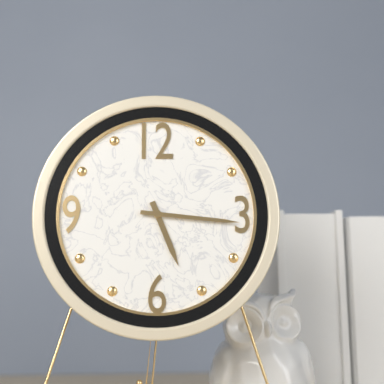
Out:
5.16
